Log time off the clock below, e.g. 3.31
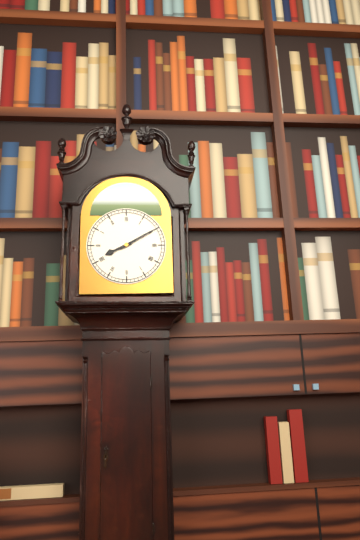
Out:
8.10
